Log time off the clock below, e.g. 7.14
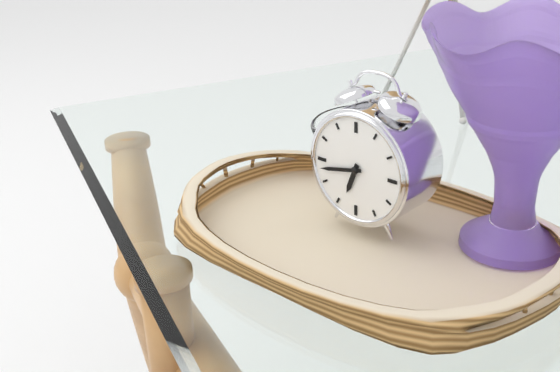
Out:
6.43
